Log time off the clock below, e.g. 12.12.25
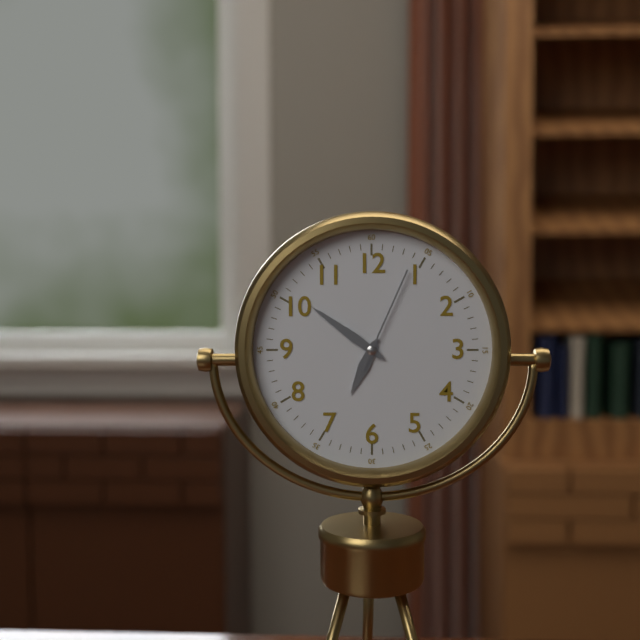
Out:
6.51.04
